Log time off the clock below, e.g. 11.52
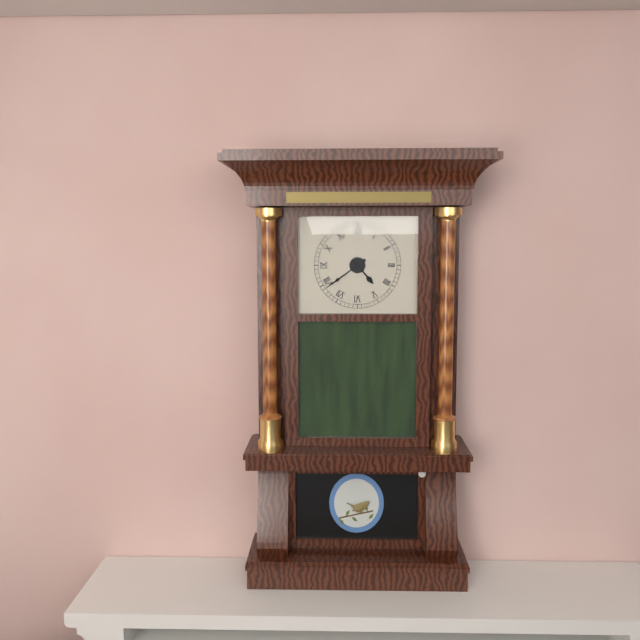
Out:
4.39
